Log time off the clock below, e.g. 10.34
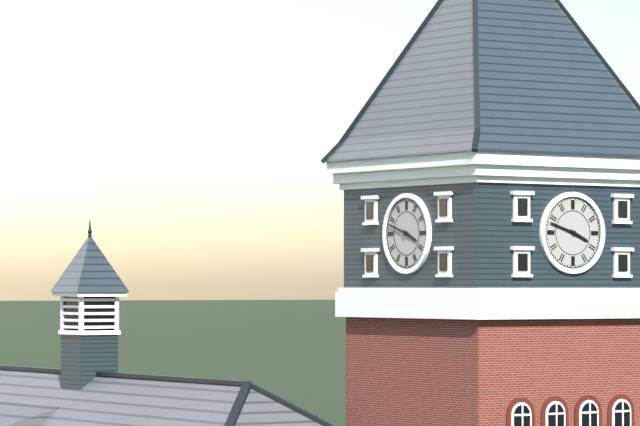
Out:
3.48
